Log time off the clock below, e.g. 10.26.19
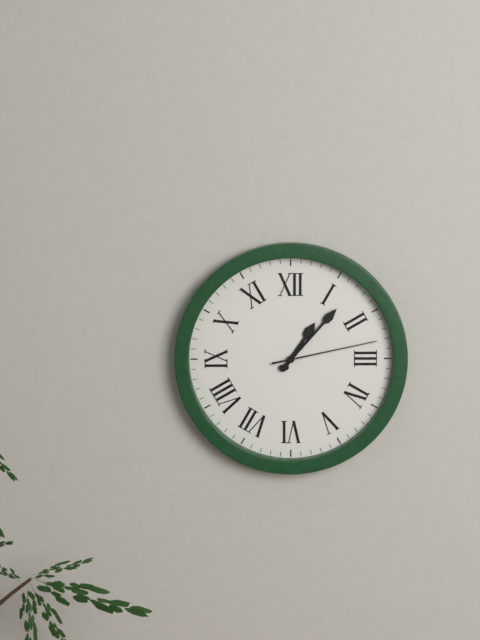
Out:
1.07.13
